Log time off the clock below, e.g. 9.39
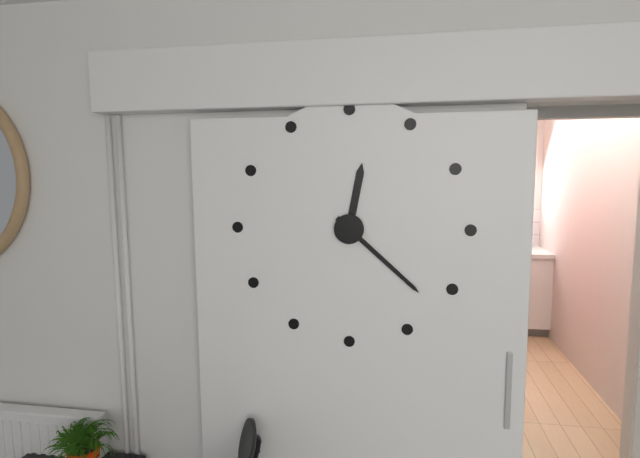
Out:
12.22
